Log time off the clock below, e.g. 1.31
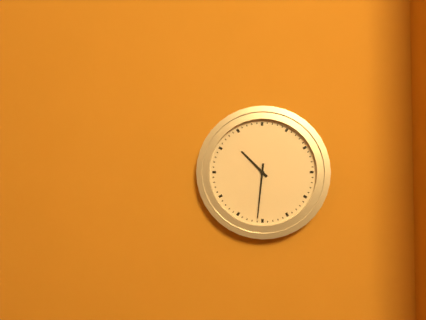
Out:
10.31
